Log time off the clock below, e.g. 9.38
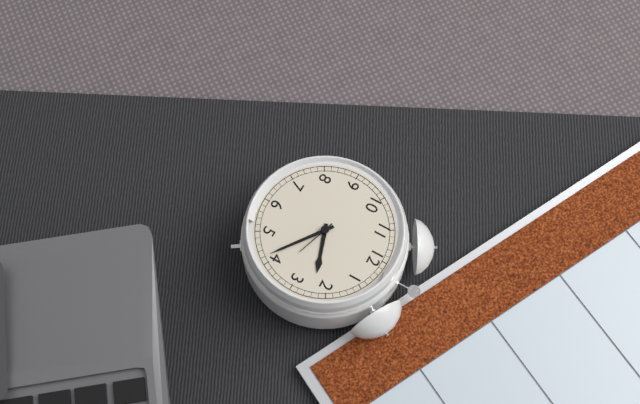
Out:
2.21
